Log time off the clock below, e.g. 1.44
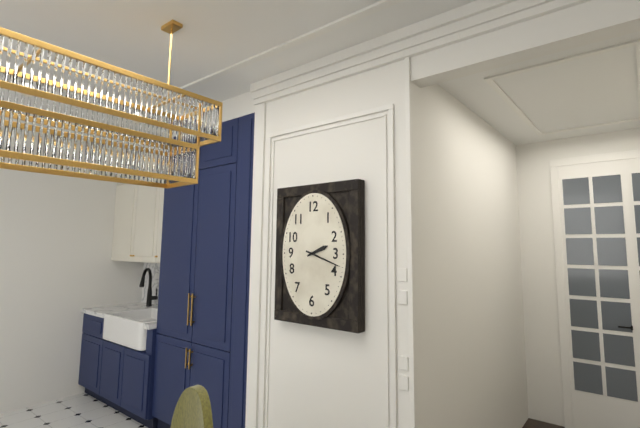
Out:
2.18
